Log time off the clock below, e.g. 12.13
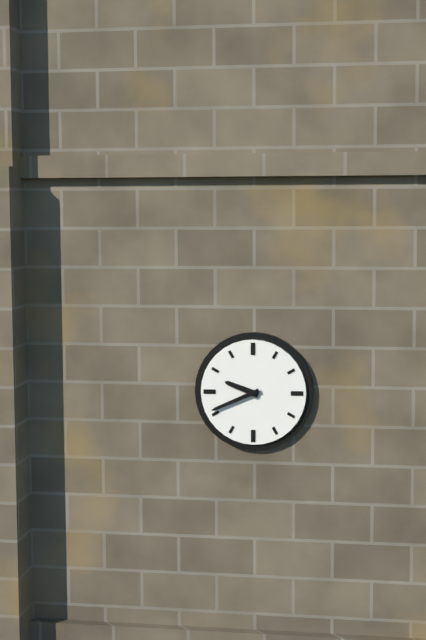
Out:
9.41
